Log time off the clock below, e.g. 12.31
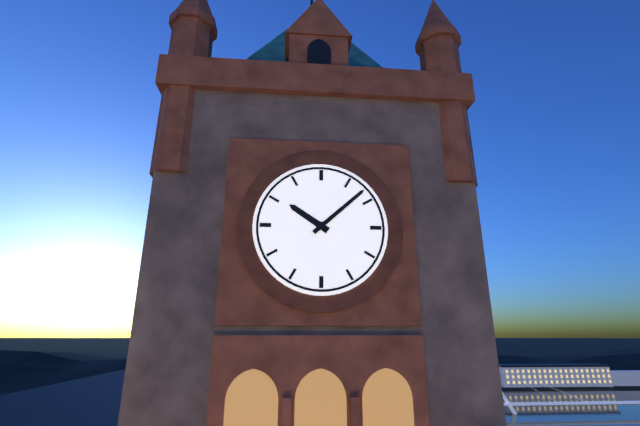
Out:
10.08
